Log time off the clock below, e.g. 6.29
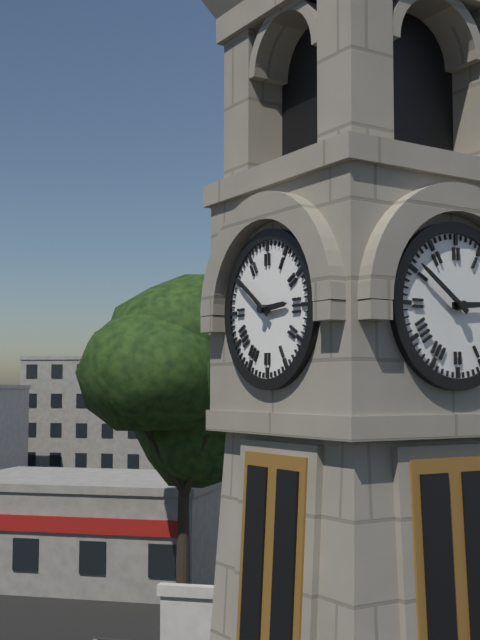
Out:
2.51
